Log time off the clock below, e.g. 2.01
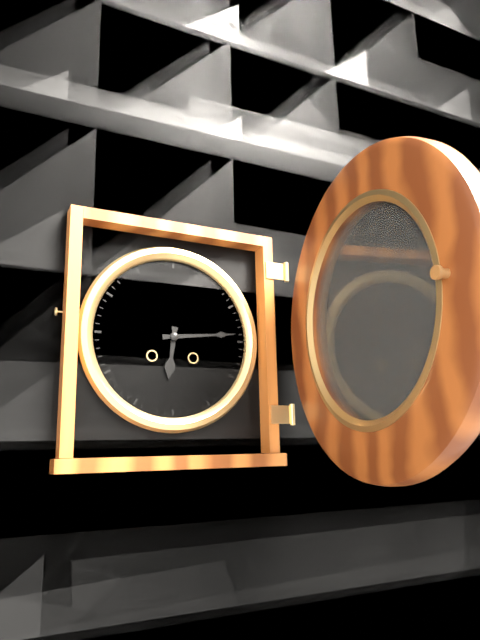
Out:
6.14
